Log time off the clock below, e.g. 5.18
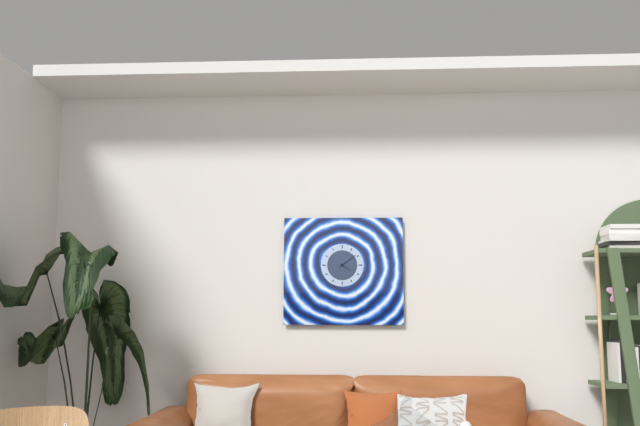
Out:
4.09
